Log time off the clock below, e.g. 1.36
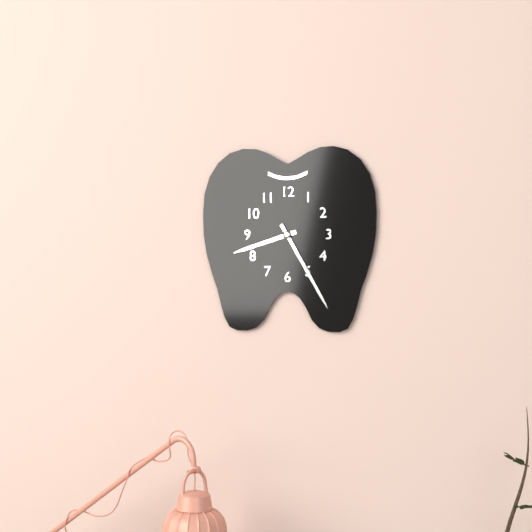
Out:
8.25
